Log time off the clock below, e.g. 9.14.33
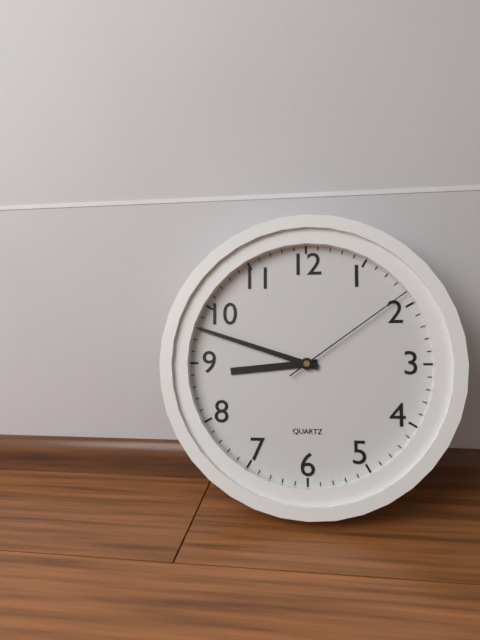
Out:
8.48.09
